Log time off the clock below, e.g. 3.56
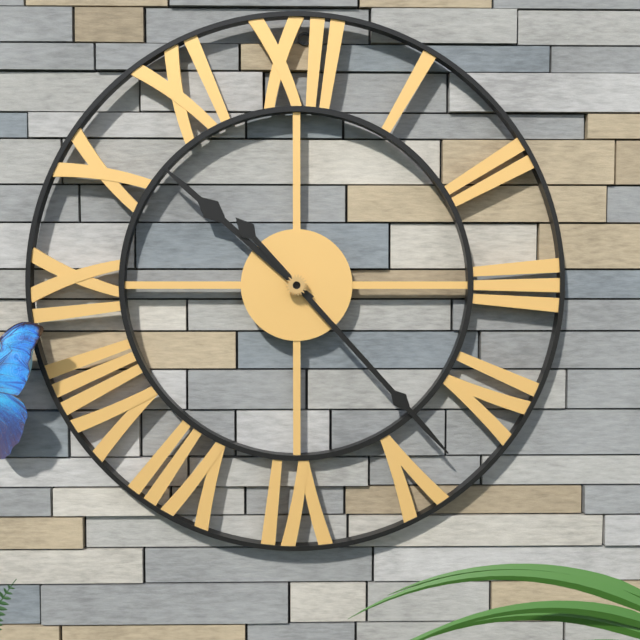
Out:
10.23
